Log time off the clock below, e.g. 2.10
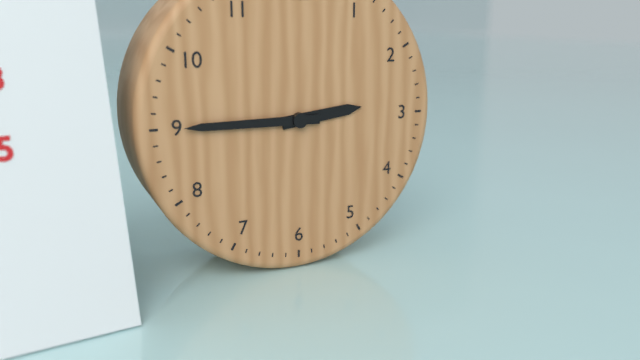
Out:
2.45
